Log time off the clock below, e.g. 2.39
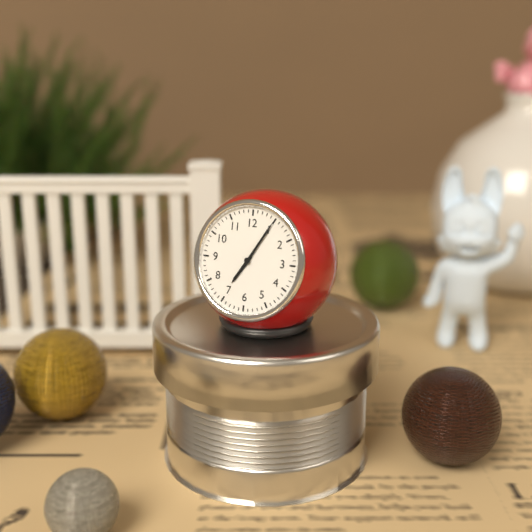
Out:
7.05
